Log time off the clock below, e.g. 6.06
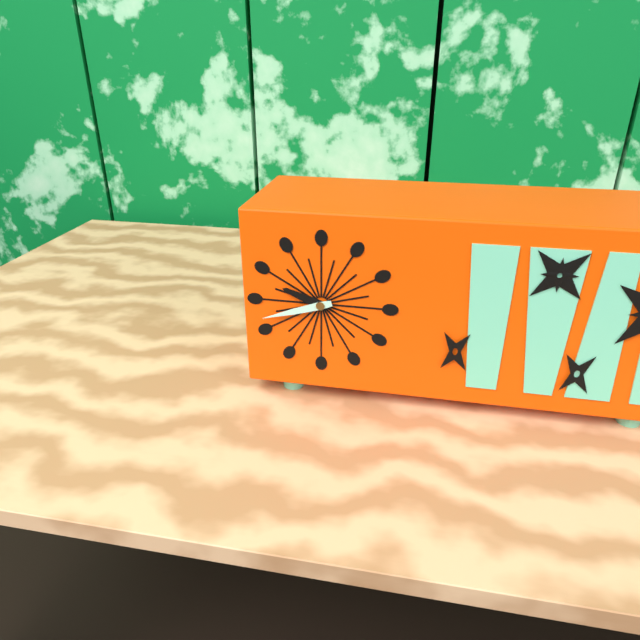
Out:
9.42
